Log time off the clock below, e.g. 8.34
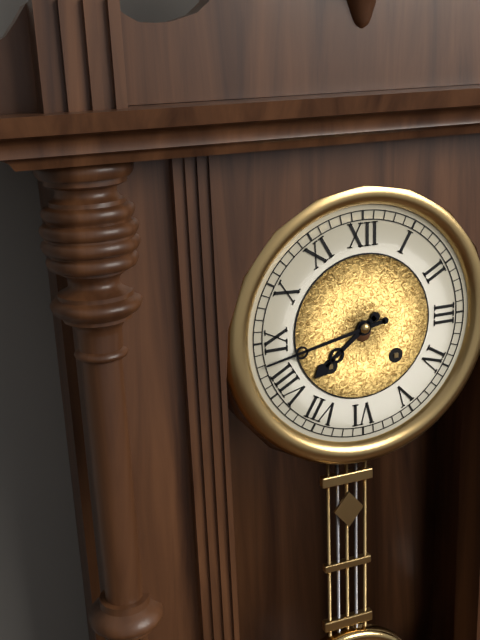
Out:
7.43
